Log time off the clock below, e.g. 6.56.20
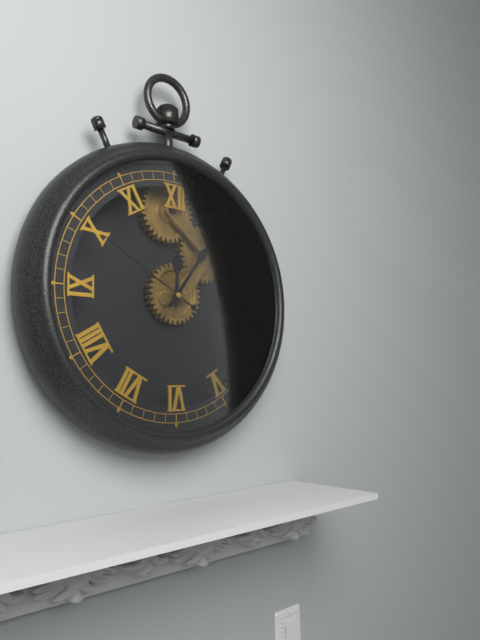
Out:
12.06.50
